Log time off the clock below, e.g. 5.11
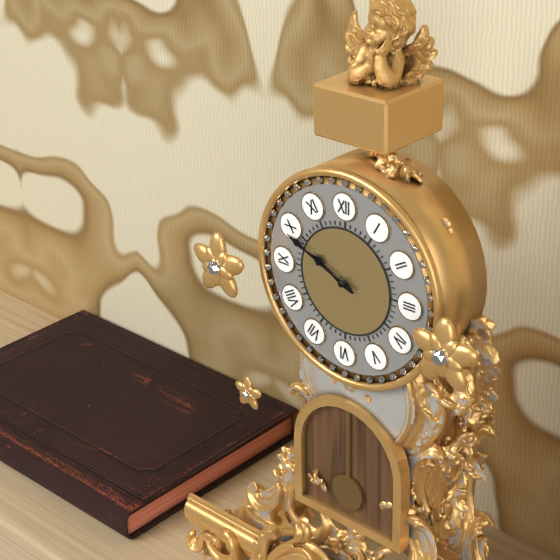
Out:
9.49
